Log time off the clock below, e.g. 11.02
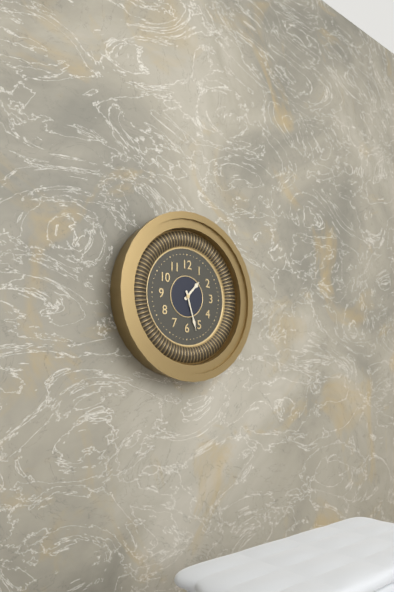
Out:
1.27
